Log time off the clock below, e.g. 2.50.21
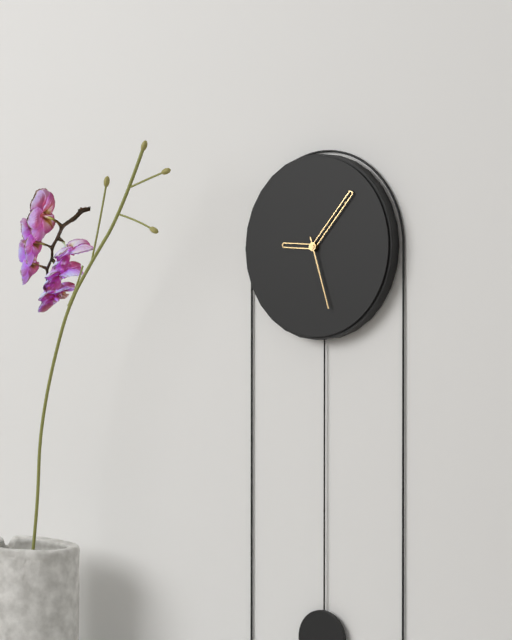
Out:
9.07.27
